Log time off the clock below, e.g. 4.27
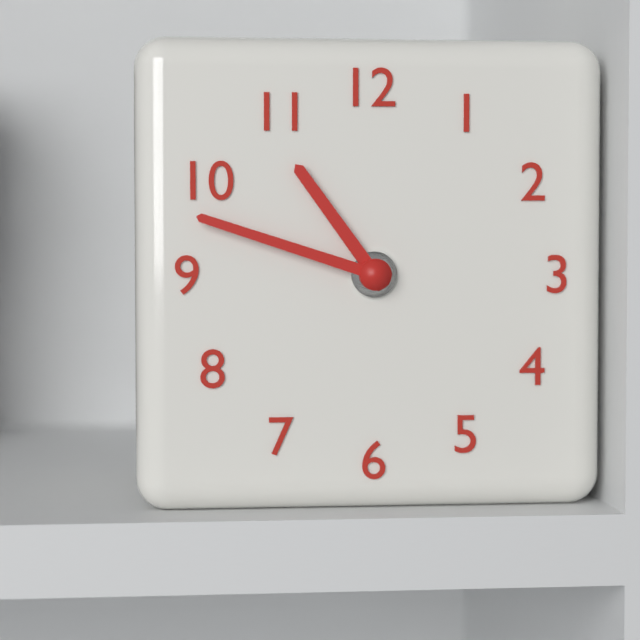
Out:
10.48
